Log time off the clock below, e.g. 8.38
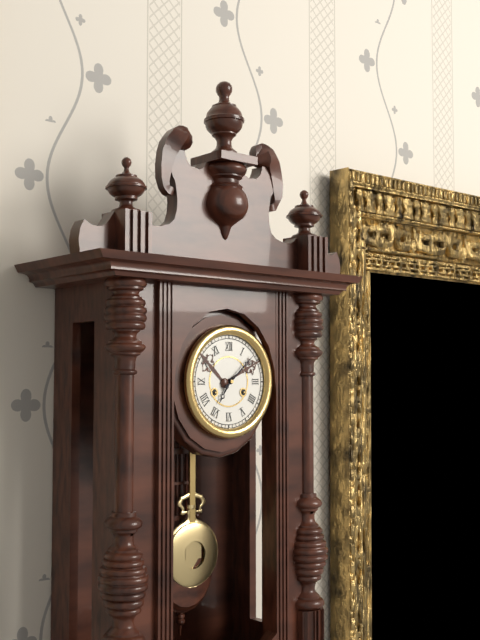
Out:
7.08
